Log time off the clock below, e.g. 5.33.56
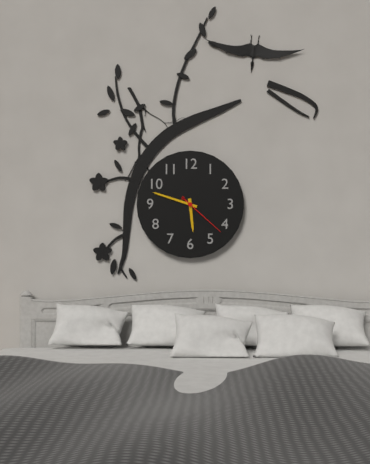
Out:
5.48.22
